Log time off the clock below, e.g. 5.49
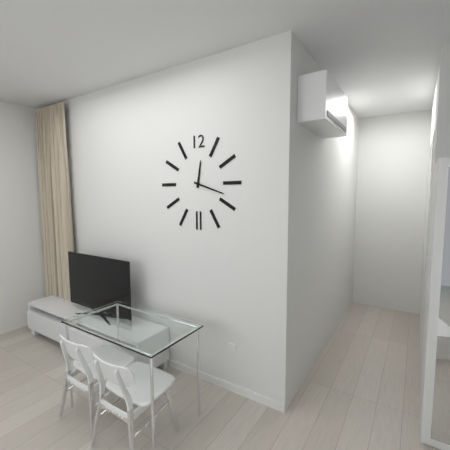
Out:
12.18
